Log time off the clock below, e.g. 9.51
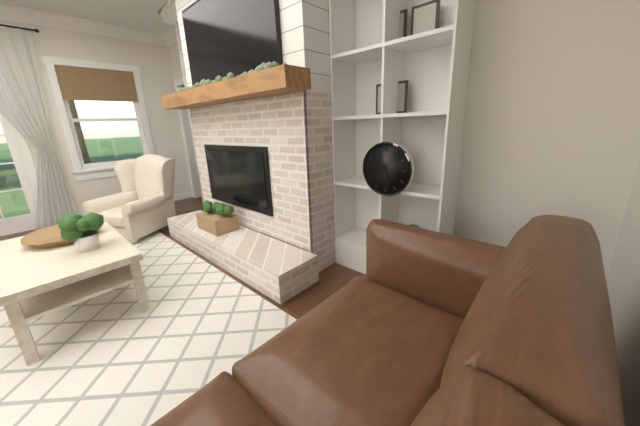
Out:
10.28
